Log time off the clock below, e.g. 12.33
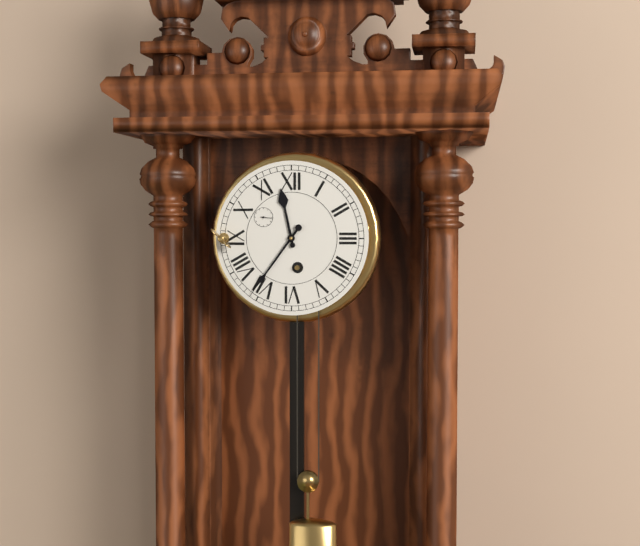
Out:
11.36
